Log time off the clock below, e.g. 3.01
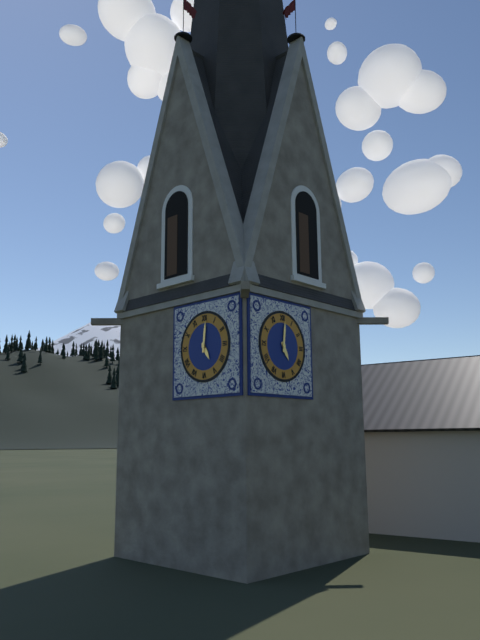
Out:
5.01
